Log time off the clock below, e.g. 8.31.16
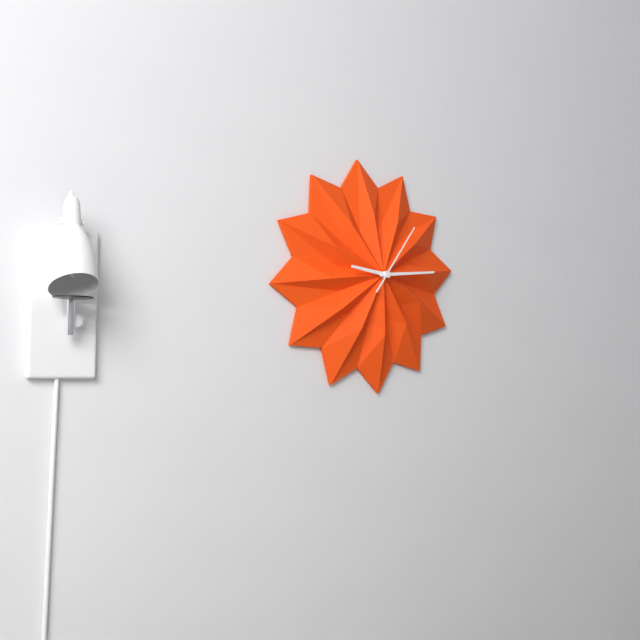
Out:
9.14.06
